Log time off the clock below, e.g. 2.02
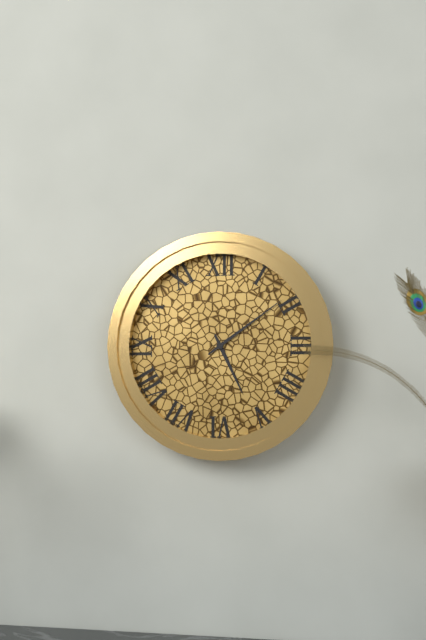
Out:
5.09
